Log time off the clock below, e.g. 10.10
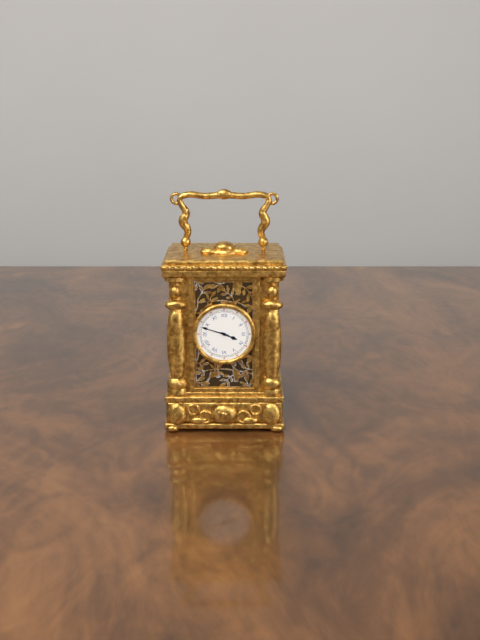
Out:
3.48
